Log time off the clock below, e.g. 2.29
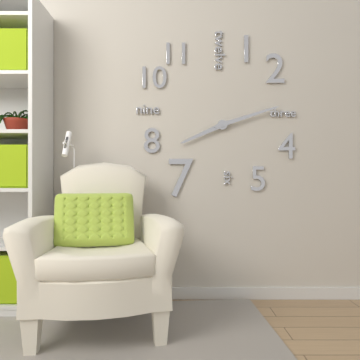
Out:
8.12
